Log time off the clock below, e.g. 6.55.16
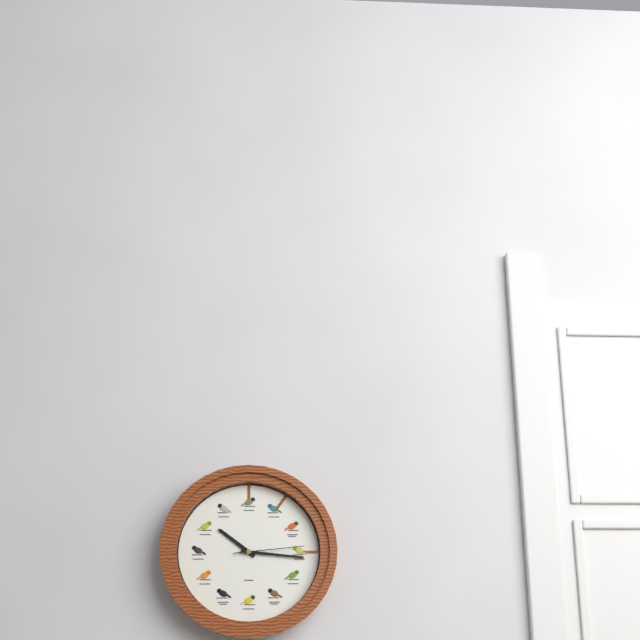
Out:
10.16.14
